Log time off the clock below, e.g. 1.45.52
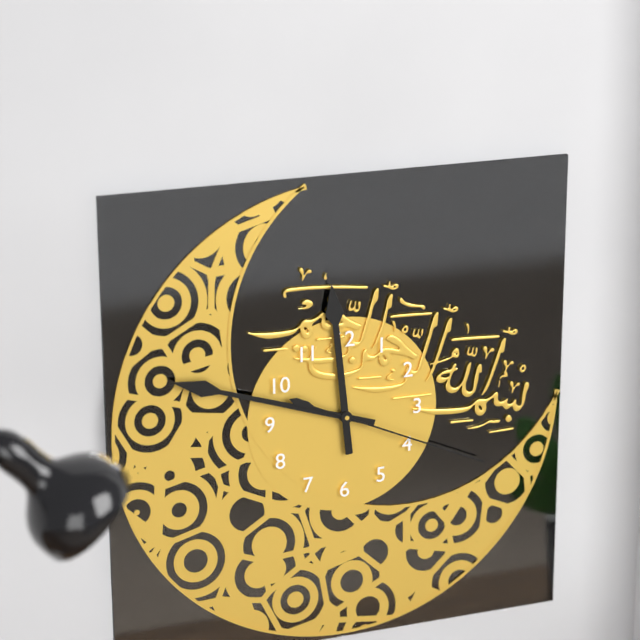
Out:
11.48.19
